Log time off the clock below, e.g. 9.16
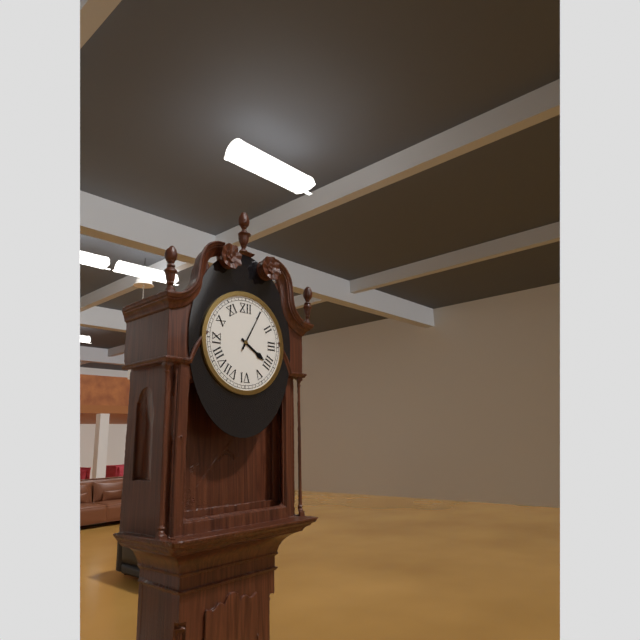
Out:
4.05
